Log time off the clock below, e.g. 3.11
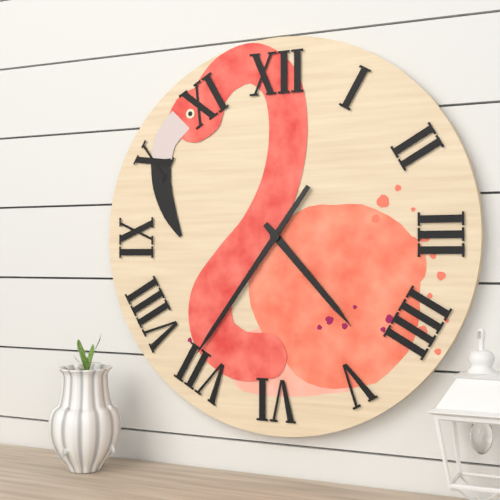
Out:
4.36
